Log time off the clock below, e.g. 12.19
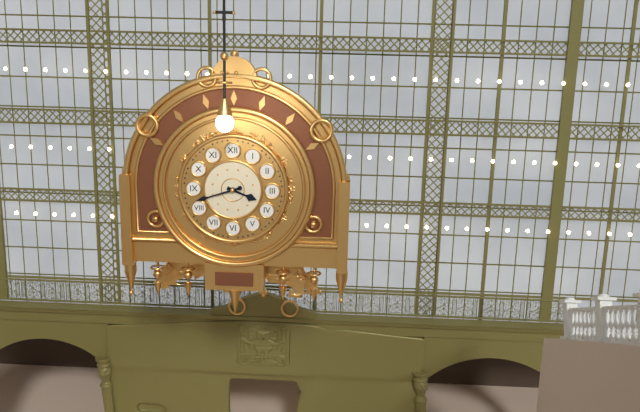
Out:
3.42
